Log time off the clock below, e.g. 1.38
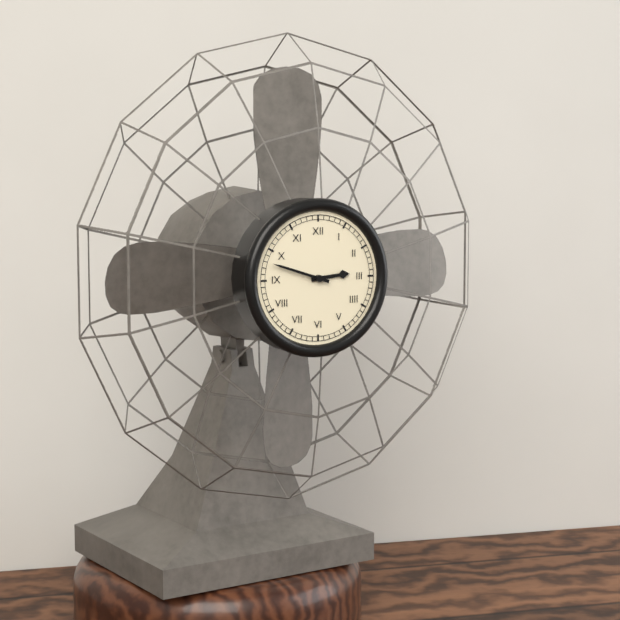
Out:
2.48
